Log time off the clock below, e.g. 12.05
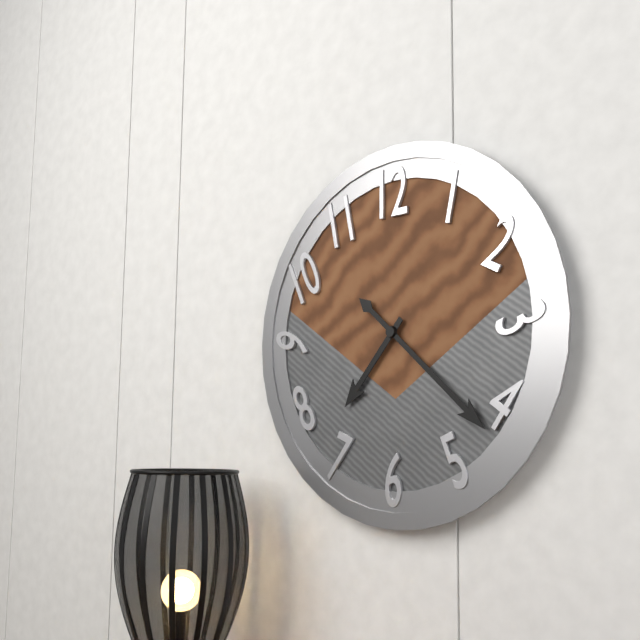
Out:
7.22
